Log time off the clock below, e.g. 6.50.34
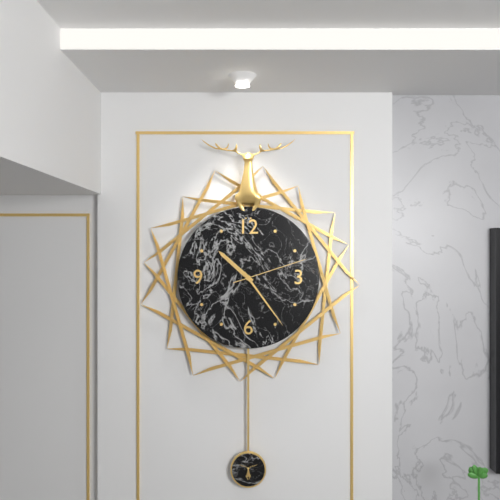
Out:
10.24.12
